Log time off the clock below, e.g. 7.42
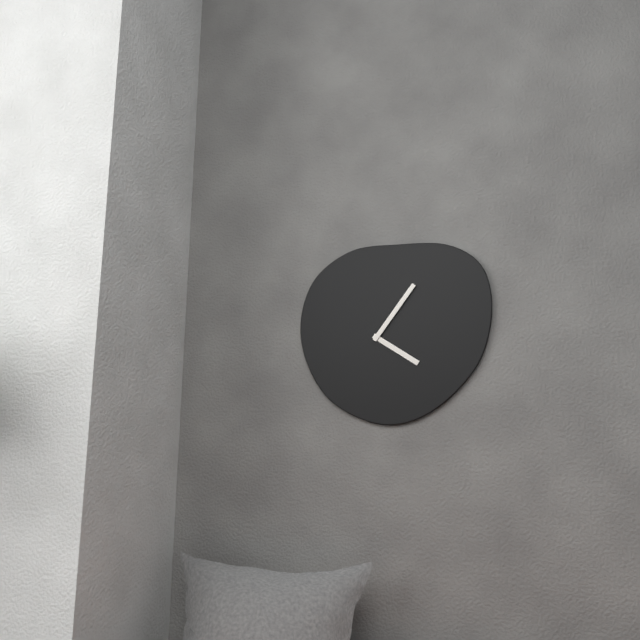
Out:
4.06
